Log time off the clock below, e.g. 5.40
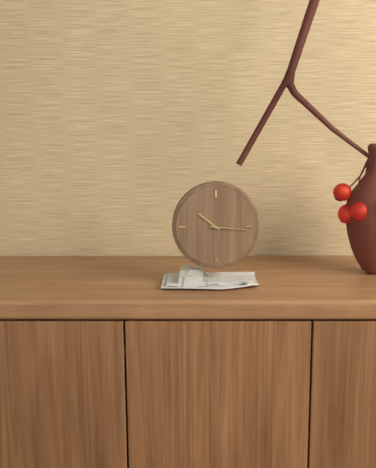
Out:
10.16
